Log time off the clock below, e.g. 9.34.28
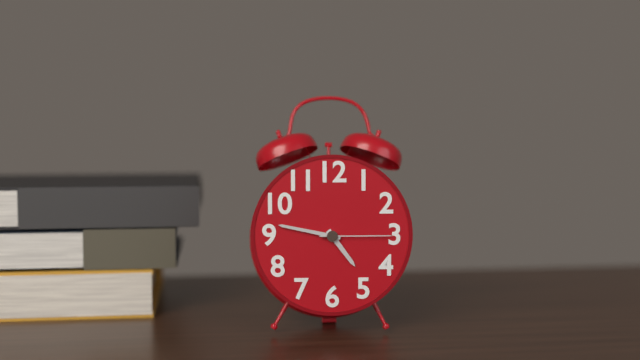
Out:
4.47.15
